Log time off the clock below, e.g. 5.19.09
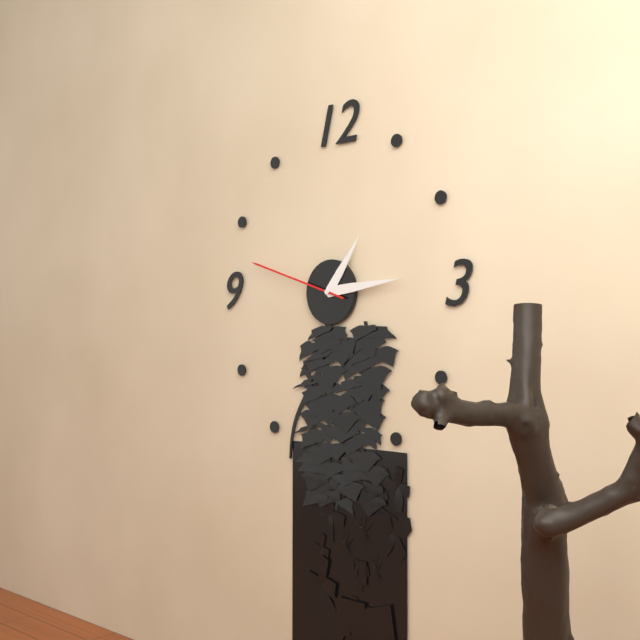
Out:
1.14.48
